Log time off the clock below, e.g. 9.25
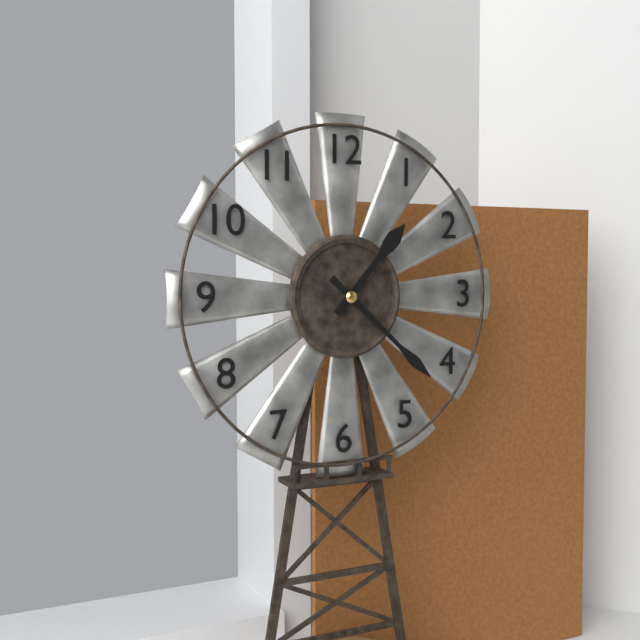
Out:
1.22
